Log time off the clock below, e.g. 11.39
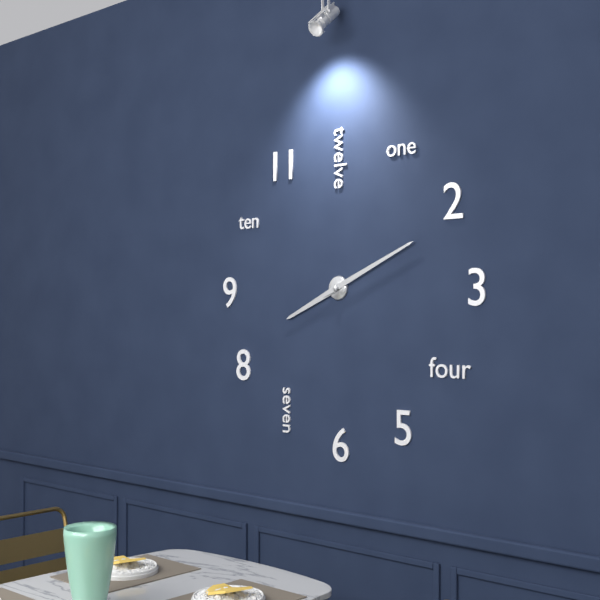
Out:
8.11
